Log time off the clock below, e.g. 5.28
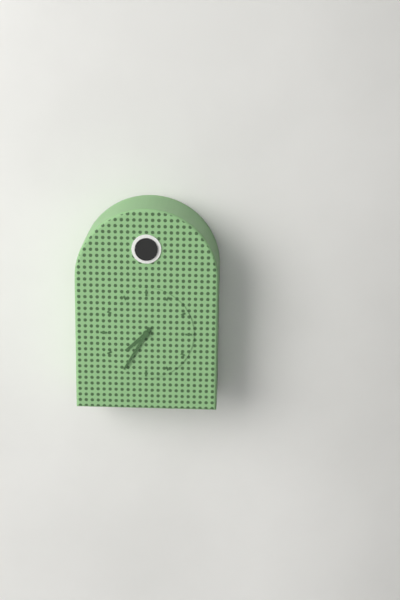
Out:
7.35
